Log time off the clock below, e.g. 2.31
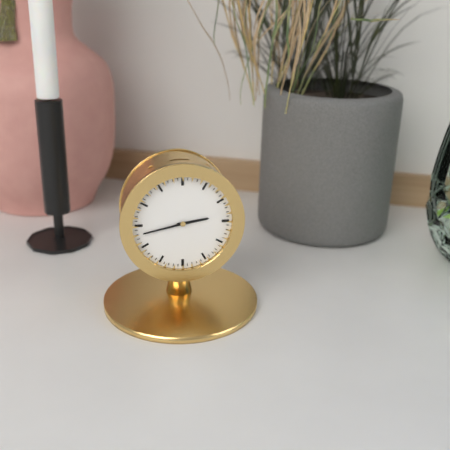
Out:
2.43
